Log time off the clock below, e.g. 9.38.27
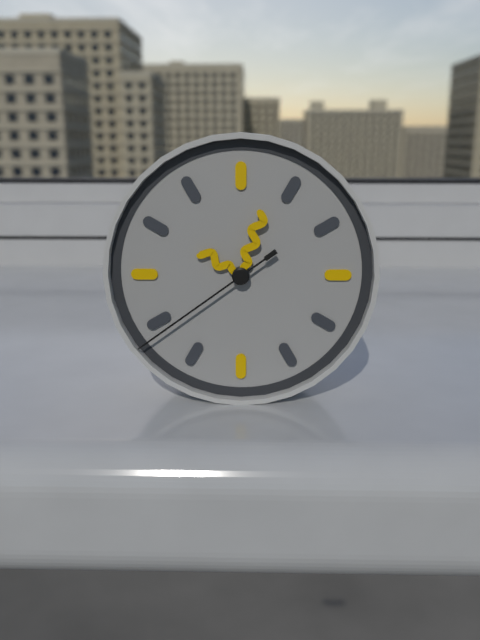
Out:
10.03.39
